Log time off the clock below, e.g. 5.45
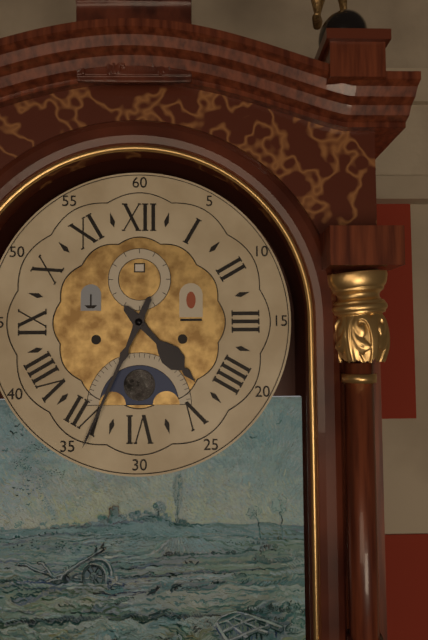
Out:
4.34
